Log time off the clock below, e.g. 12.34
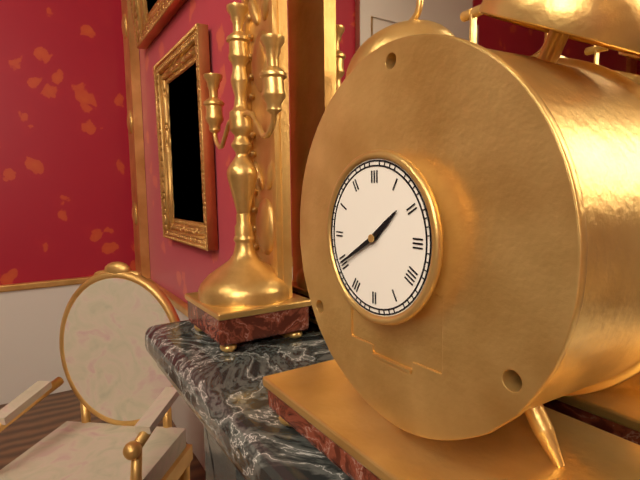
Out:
1.40
